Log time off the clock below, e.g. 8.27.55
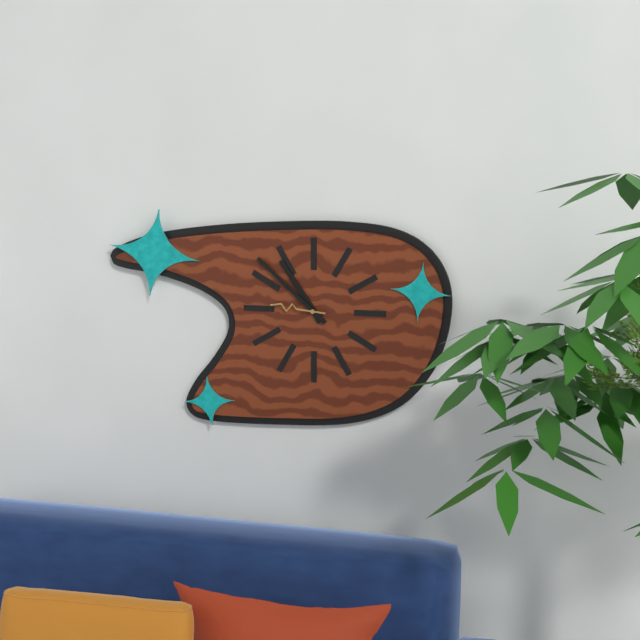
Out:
10.52.46
